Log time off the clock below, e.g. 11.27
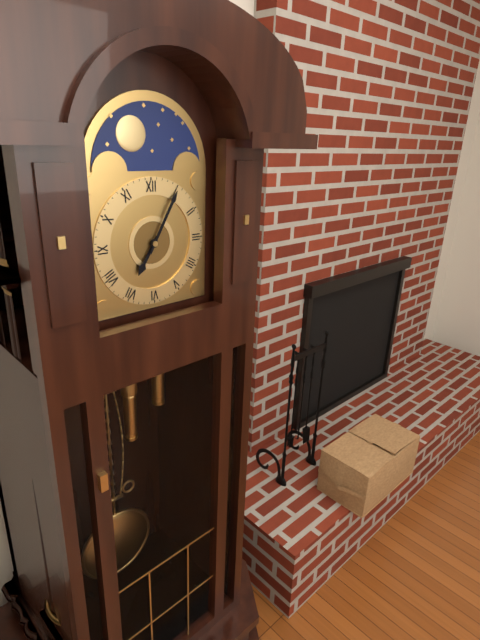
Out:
7.05
